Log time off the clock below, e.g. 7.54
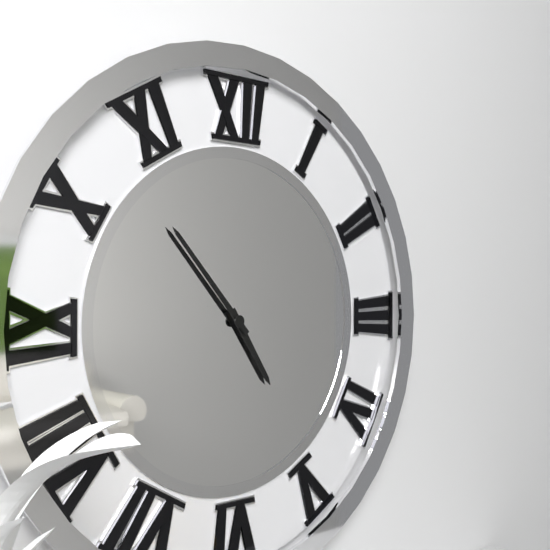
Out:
4.53
